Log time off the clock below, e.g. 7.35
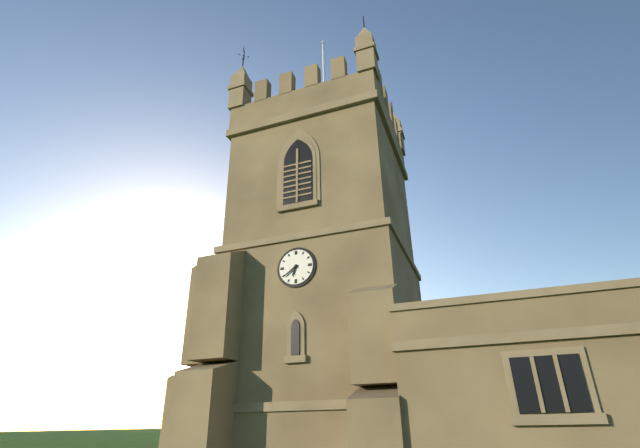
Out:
6.39
